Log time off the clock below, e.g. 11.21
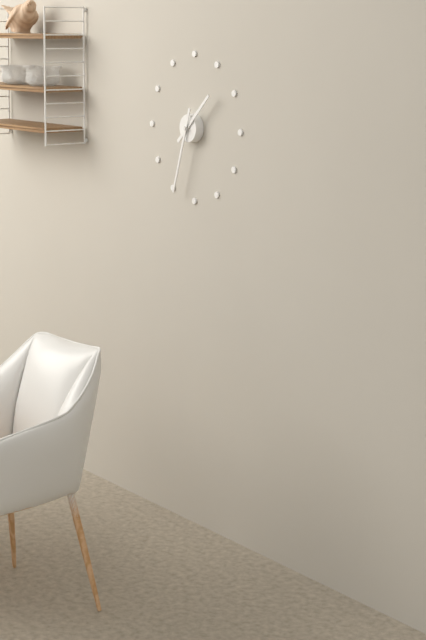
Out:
1.33
